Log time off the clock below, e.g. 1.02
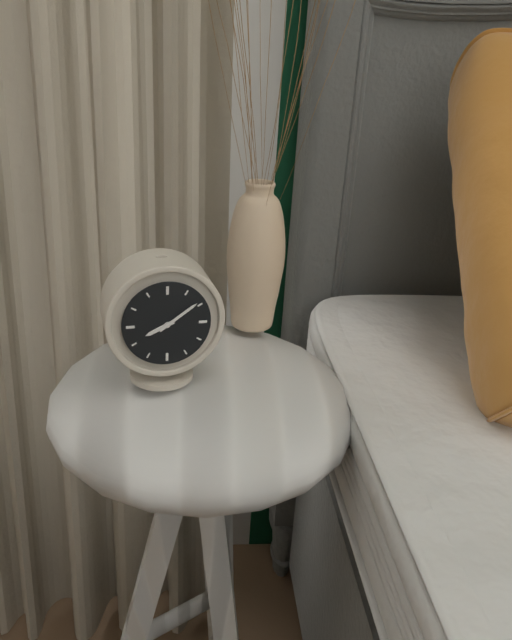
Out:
8.09
